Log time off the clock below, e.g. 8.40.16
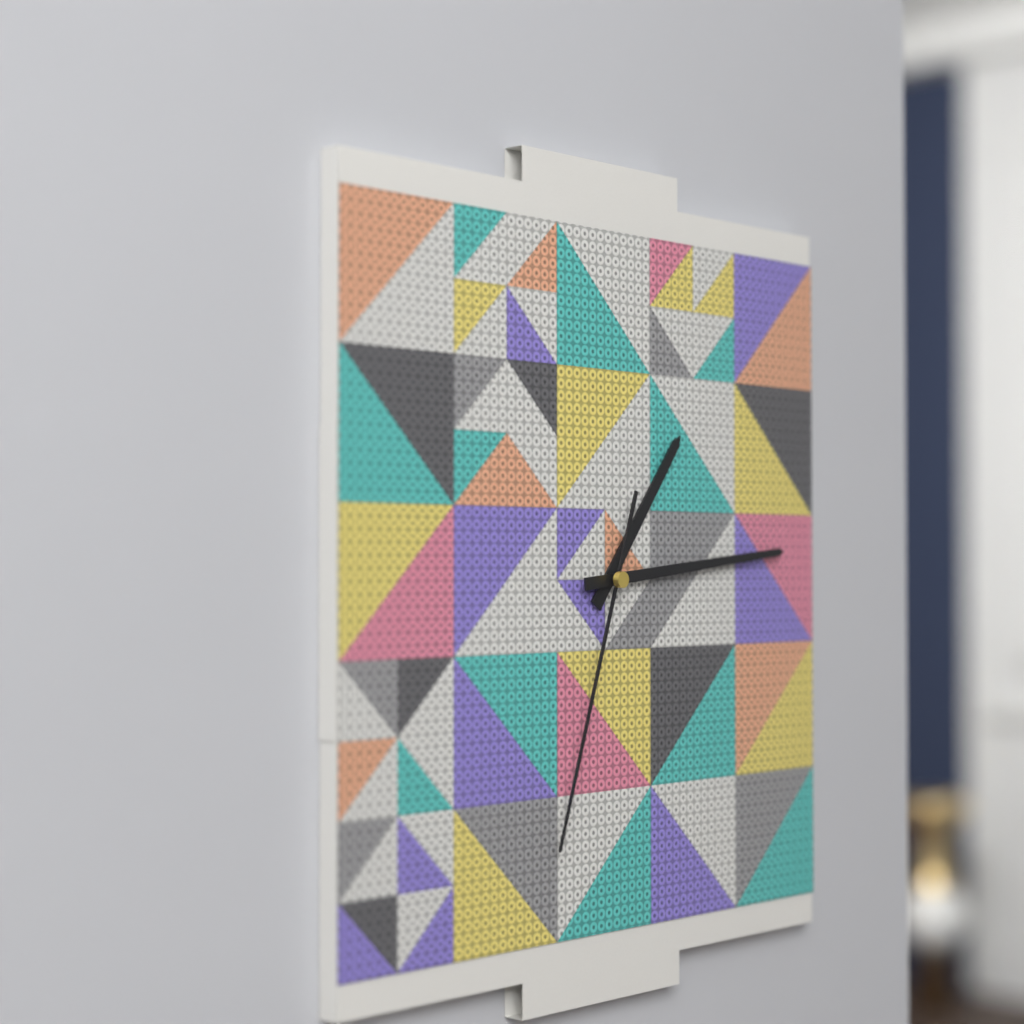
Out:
1.14.33
